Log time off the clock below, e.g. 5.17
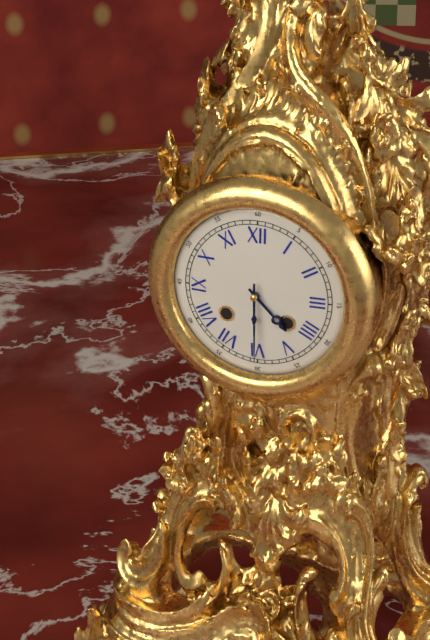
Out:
4.30
